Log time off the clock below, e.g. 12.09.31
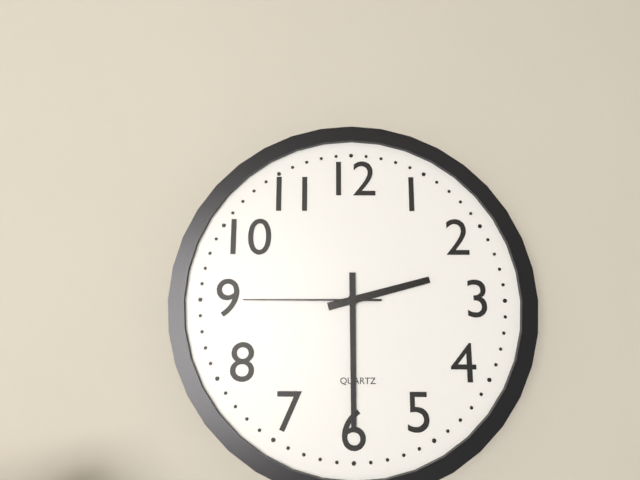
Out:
2.30.45
